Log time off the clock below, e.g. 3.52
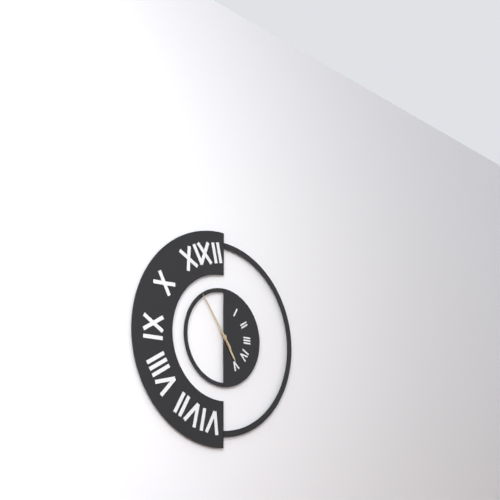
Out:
4.54
